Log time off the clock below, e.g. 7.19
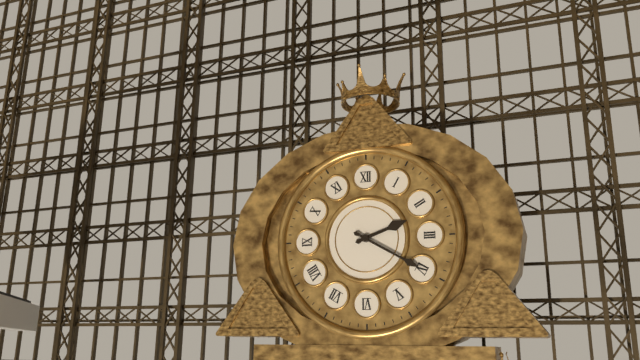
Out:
2.20
